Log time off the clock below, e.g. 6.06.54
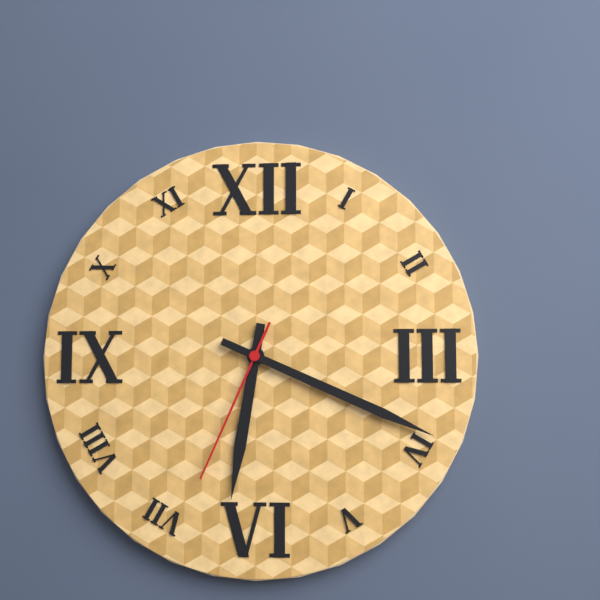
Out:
6.19.34
